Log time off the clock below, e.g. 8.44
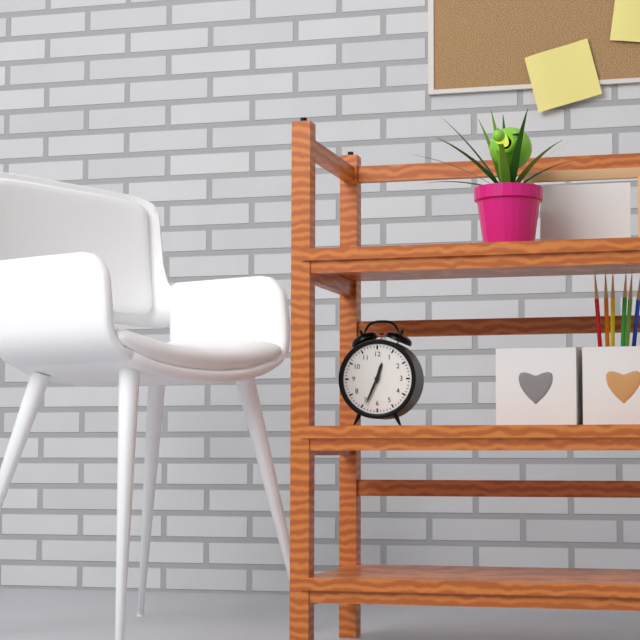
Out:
12.34
